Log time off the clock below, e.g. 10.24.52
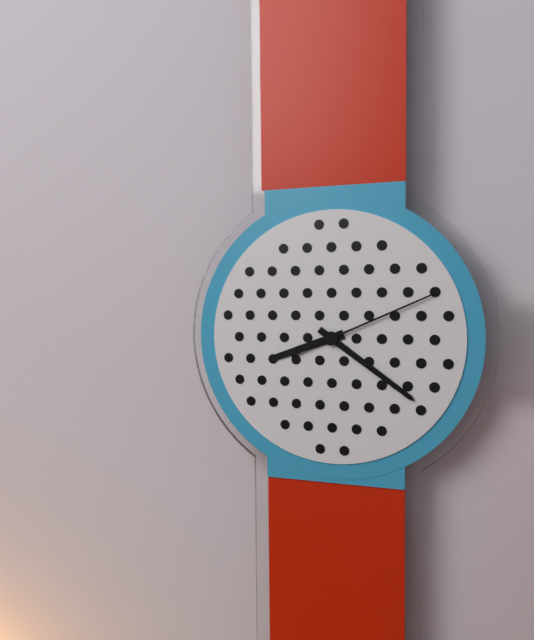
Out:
8.21.11
